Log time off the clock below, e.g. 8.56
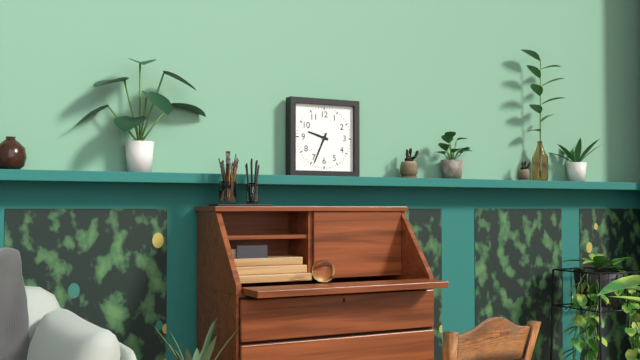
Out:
9.34
